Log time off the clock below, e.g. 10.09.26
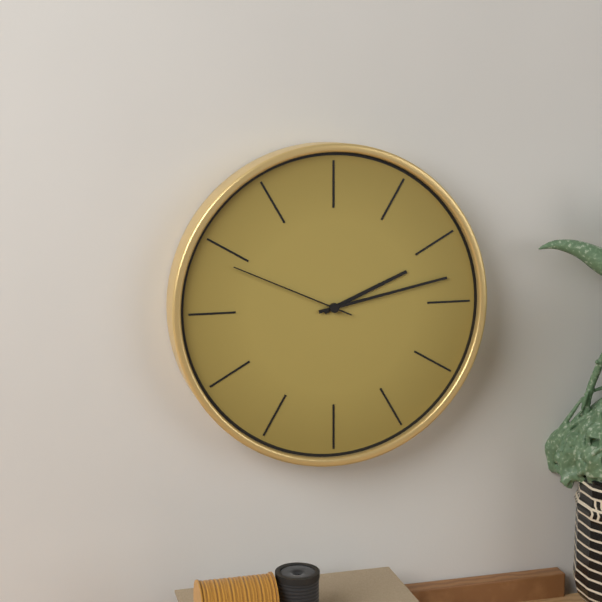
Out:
2.13.49
